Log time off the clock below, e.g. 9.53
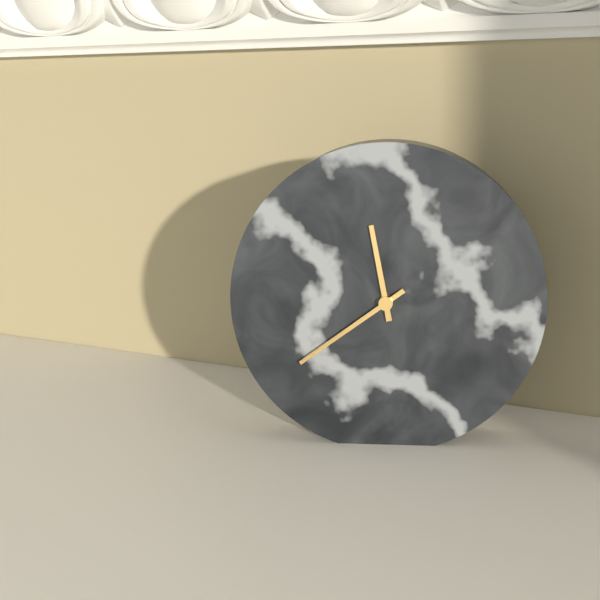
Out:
11.39
